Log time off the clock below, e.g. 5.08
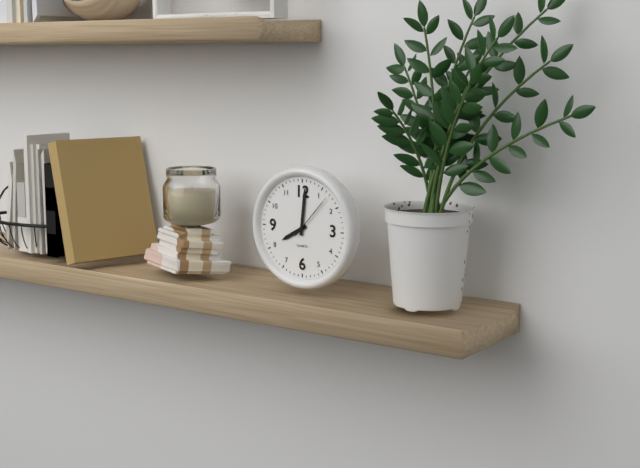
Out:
8.01
